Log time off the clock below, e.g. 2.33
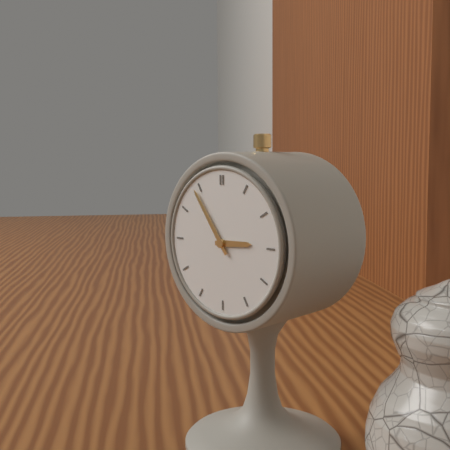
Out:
2.54
